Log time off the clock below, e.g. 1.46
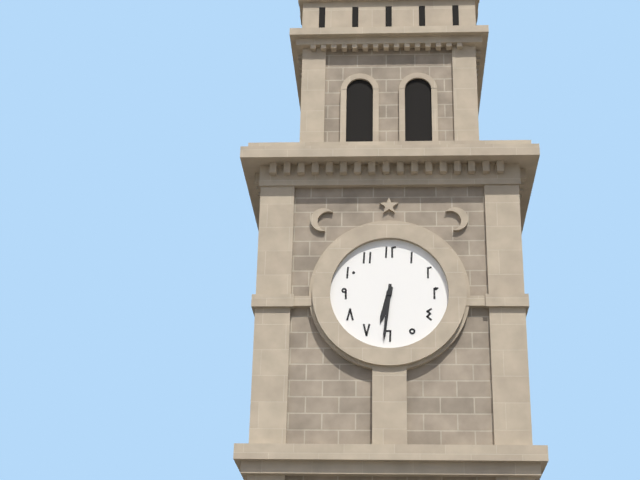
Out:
6.31
